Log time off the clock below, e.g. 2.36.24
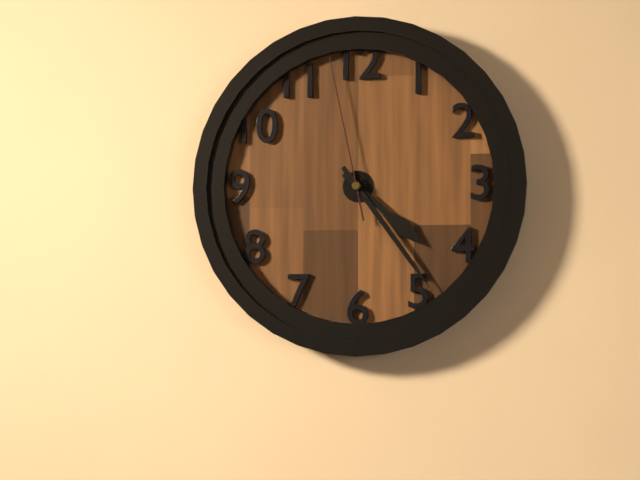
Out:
4.24.58
